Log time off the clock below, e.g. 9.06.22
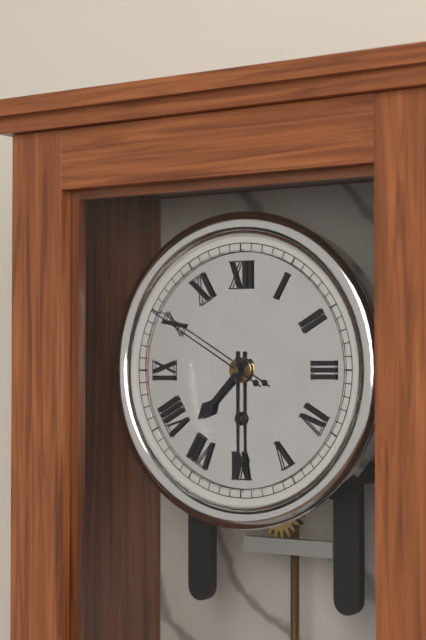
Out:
7.30.50
